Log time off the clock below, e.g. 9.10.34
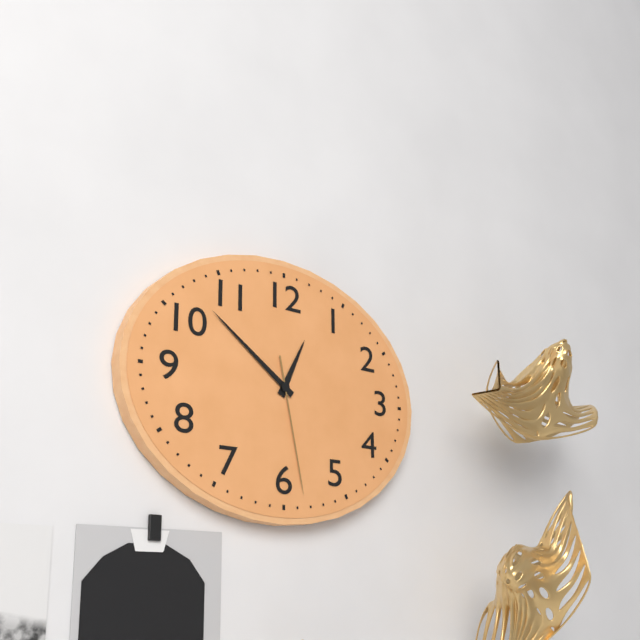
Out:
12.51.28
